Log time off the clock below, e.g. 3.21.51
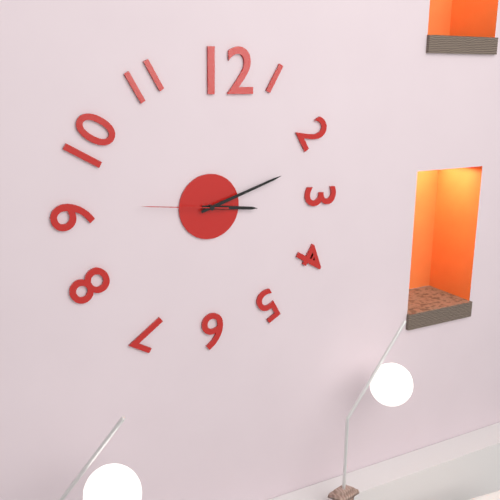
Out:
3.12.46
